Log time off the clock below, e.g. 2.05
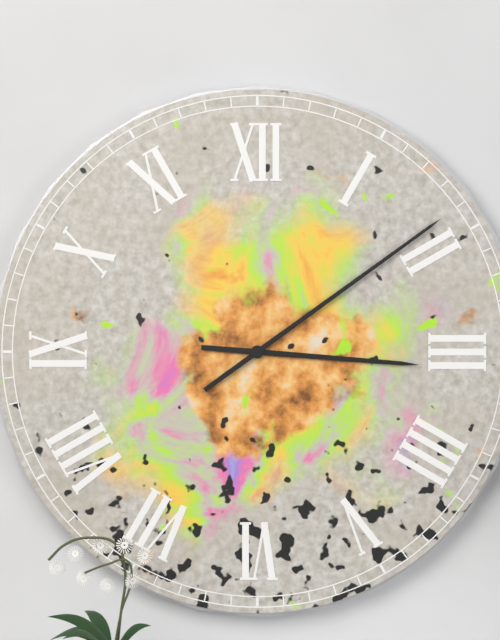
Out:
3.09
